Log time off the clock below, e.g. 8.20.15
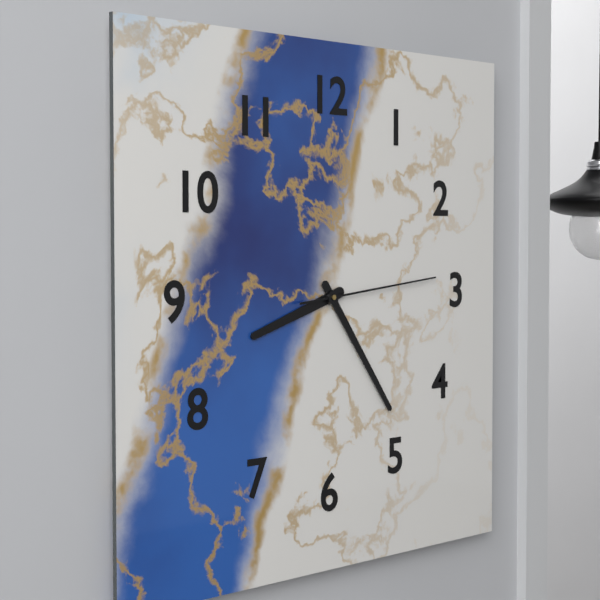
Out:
8.24.14
